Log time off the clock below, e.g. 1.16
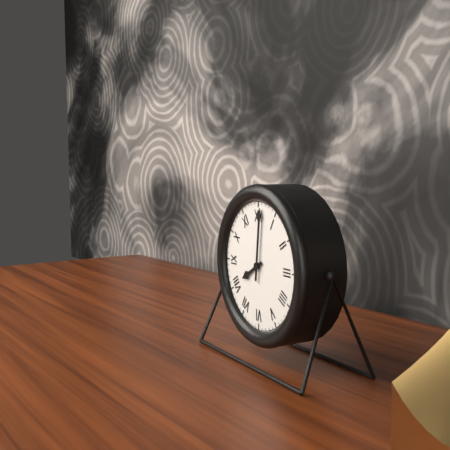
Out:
8.01
